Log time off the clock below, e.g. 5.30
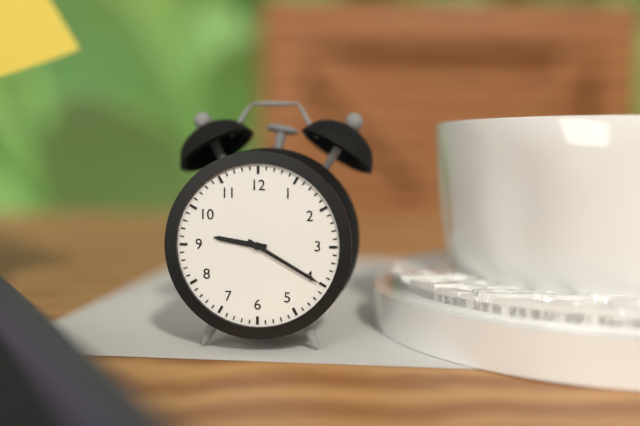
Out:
9.20
